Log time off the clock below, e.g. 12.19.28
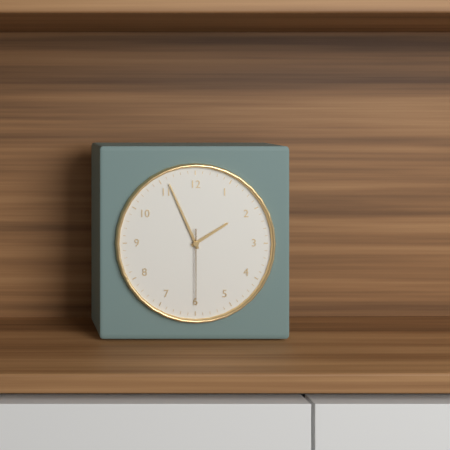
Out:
1.56.30
